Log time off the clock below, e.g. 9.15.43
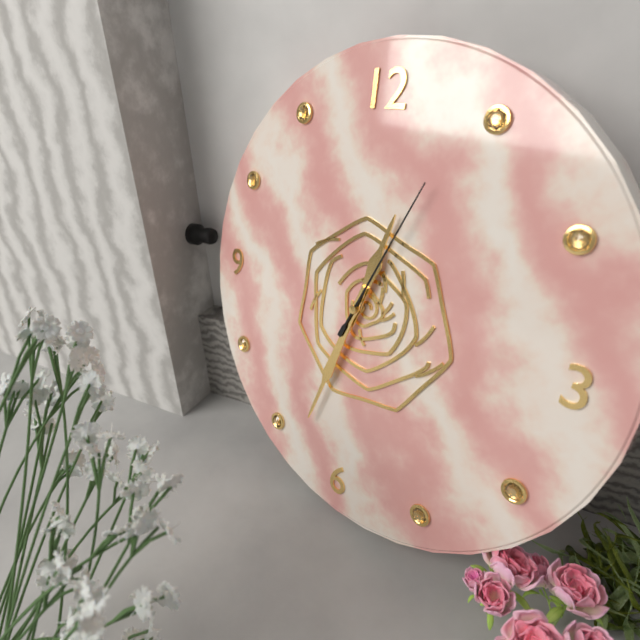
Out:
12.33.04
